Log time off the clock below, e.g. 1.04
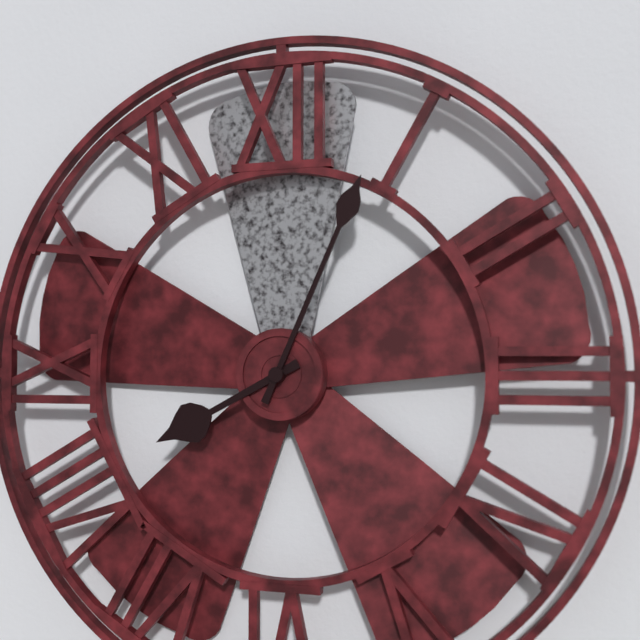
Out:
8.04
